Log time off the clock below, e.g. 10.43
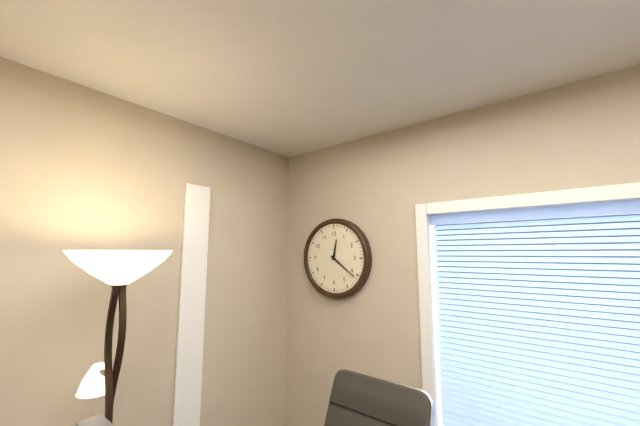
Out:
12.21
